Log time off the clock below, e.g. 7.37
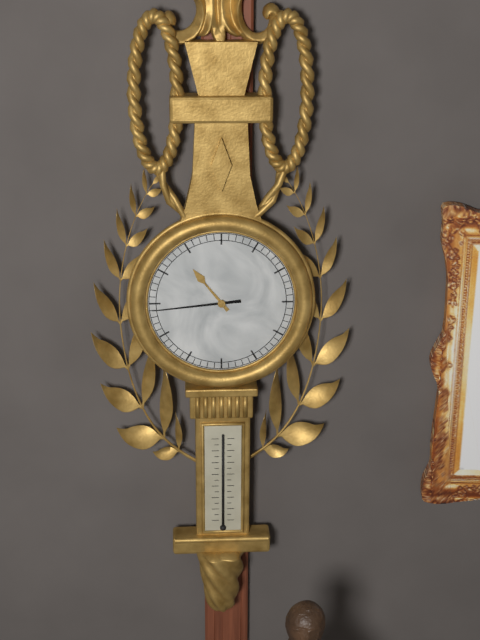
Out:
10.44
